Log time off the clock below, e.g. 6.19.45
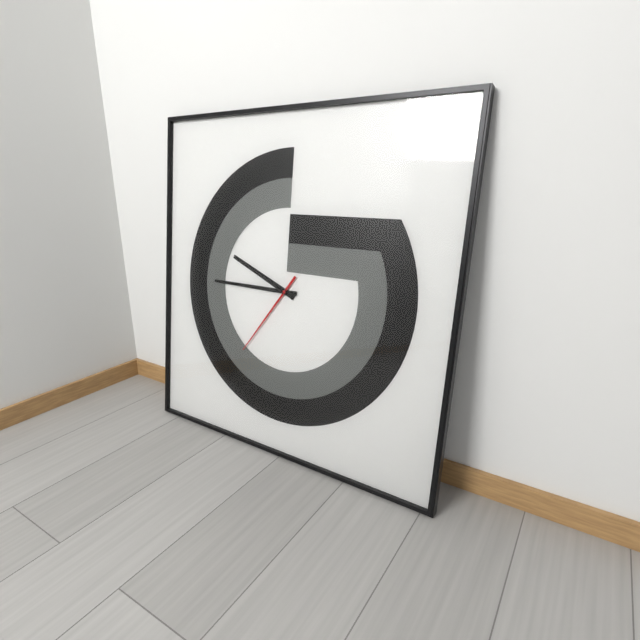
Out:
9.45.36
